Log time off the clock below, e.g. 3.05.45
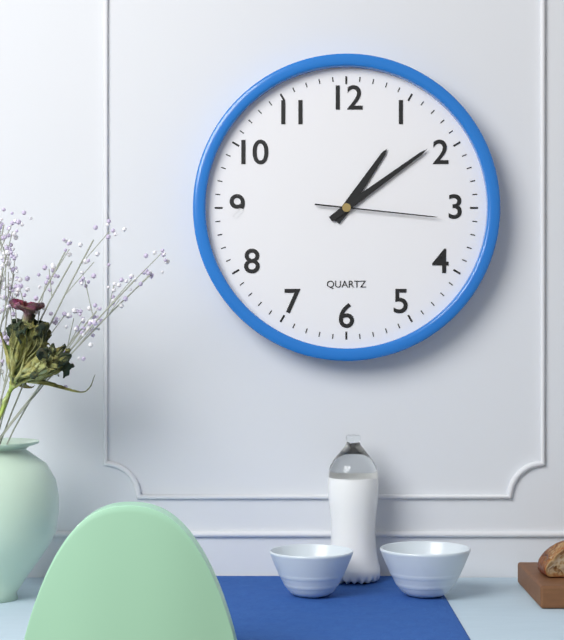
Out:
1.09.16
